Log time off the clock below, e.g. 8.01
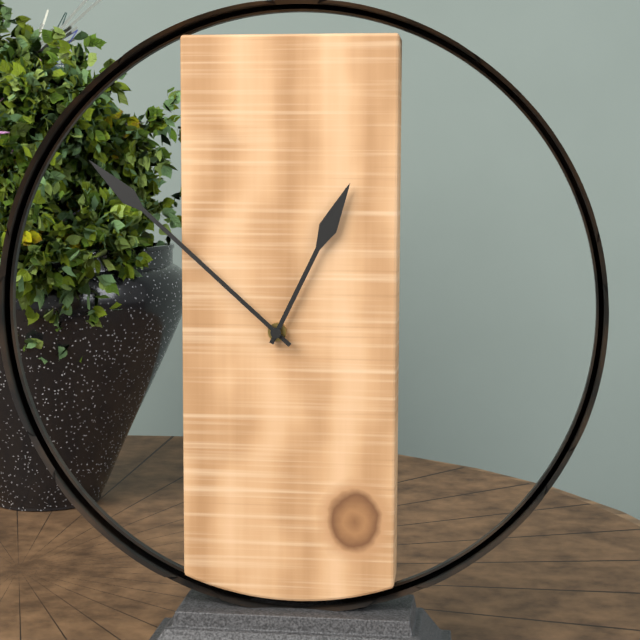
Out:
12.52
